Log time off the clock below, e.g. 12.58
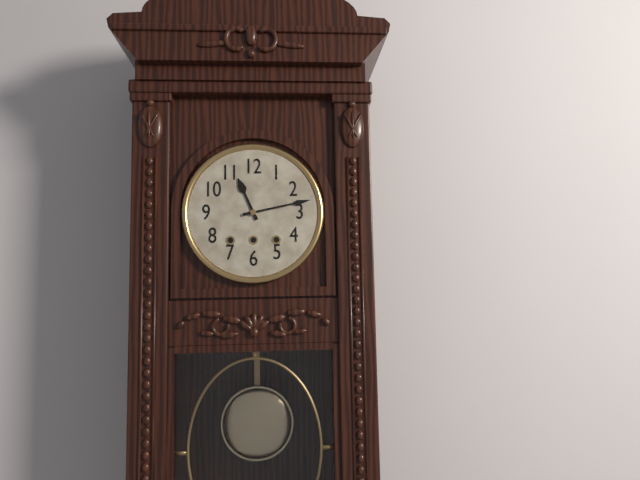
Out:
11.13
